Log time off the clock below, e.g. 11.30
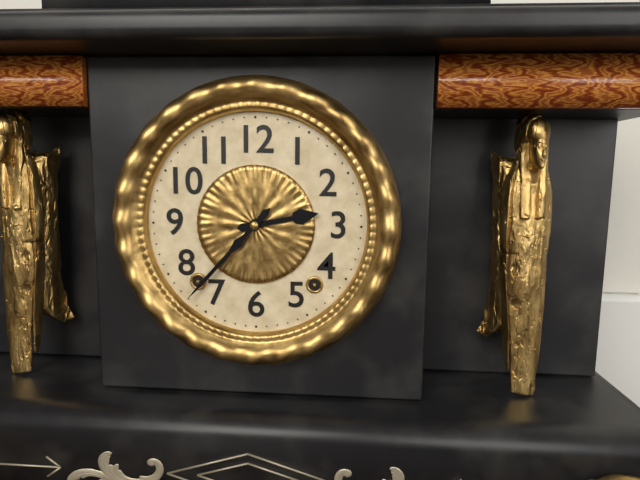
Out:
2.37
